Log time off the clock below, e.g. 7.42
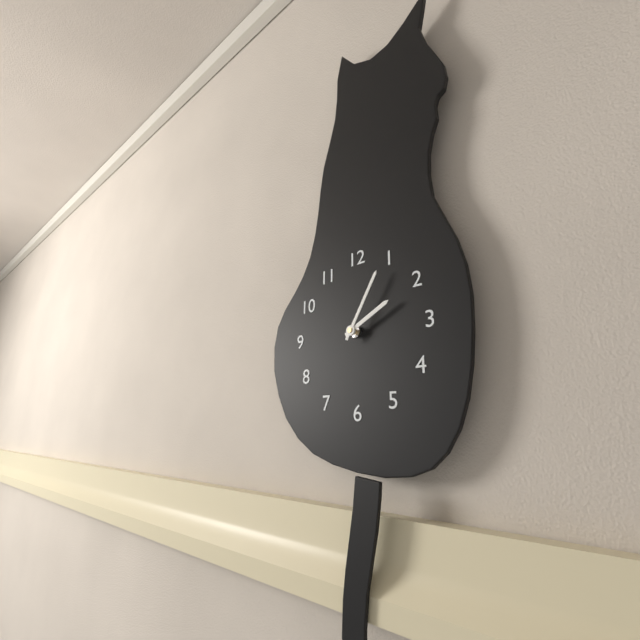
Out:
2.05
